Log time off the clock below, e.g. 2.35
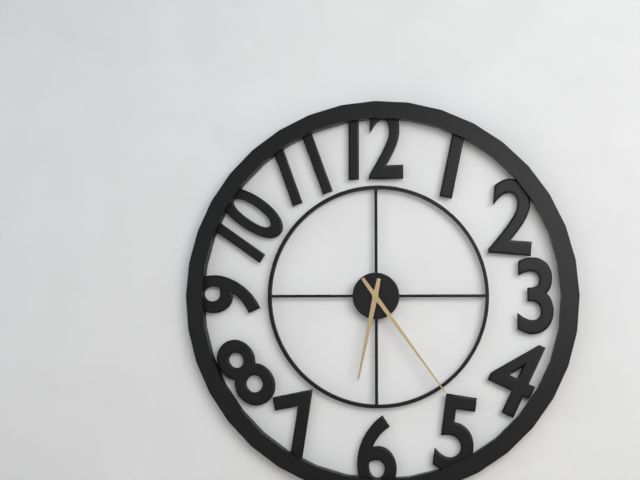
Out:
6.24
